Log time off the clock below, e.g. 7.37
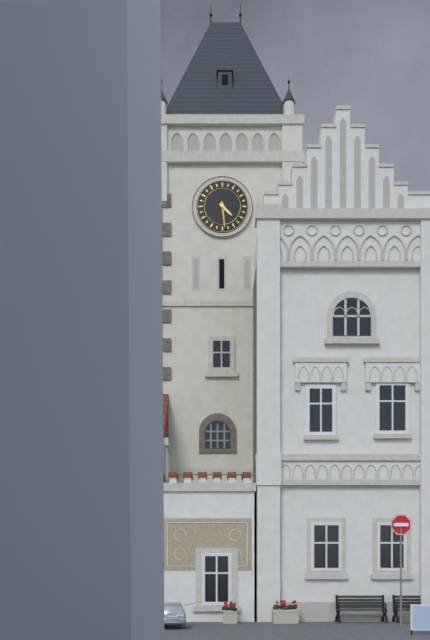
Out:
4.29
